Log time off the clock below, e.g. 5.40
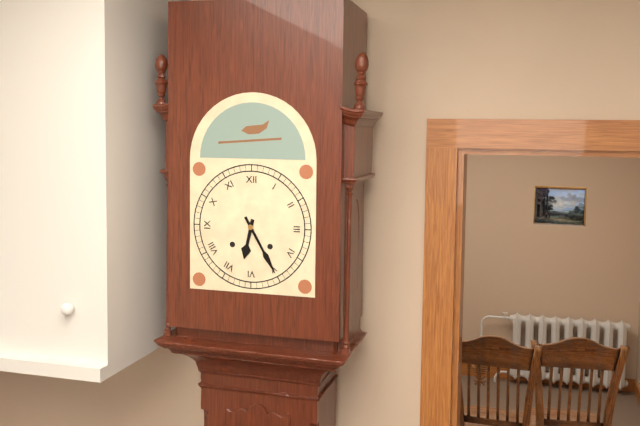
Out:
6.25
